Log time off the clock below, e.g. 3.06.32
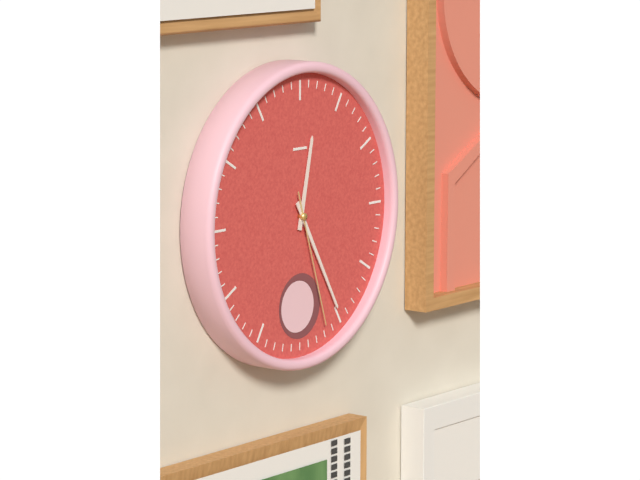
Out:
12.25.27
